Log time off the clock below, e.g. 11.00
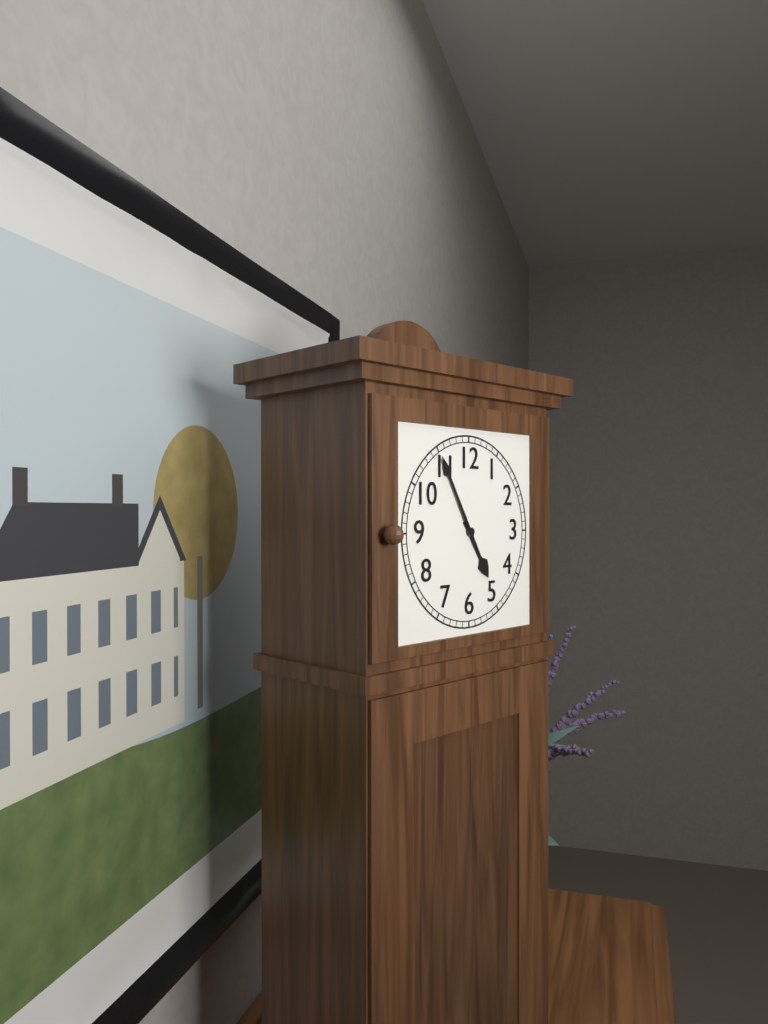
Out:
4.55
